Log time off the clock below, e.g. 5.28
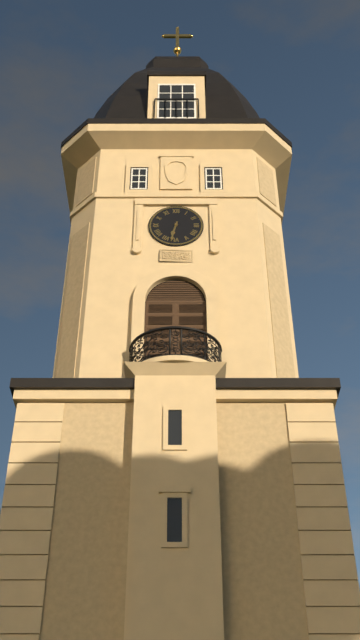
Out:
6.32
